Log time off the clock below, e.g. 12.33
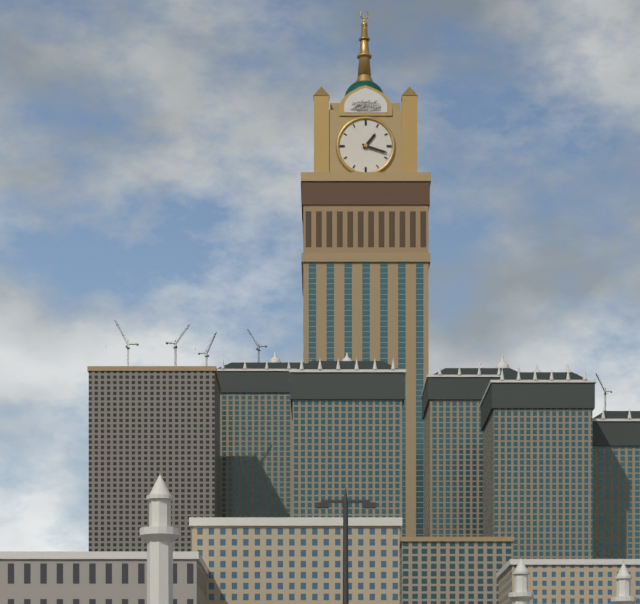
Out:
1.18
